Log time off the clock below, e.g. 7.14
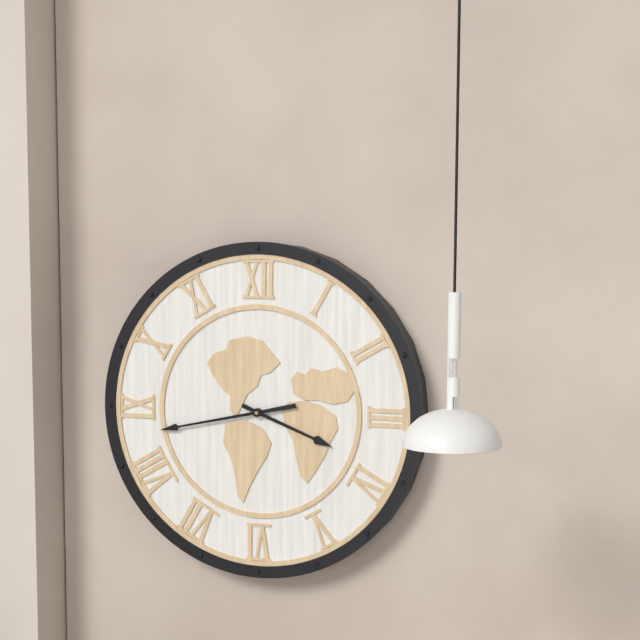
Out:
3.43
